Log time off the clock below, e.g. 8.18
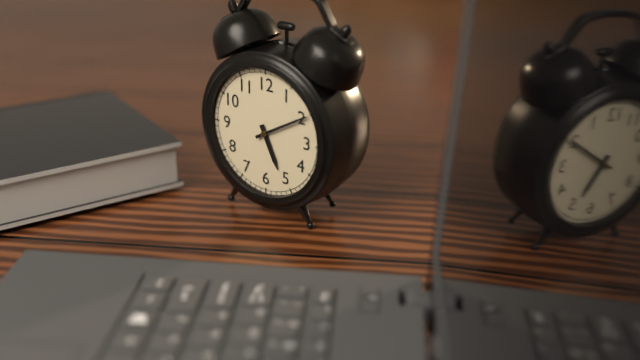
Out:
5.10
